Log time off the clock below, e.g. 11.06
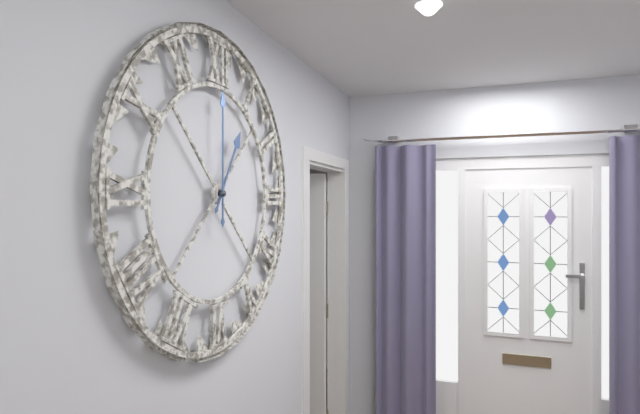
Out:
1.00
